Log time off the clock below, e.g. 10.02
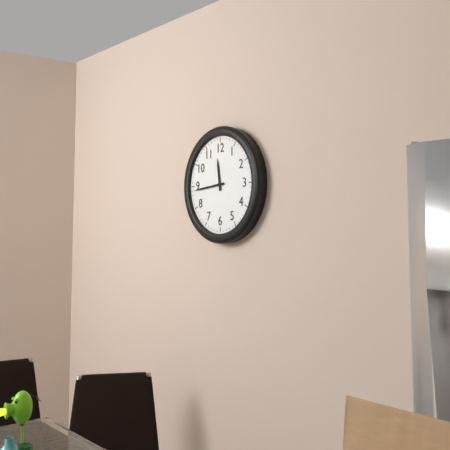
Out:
11.44
